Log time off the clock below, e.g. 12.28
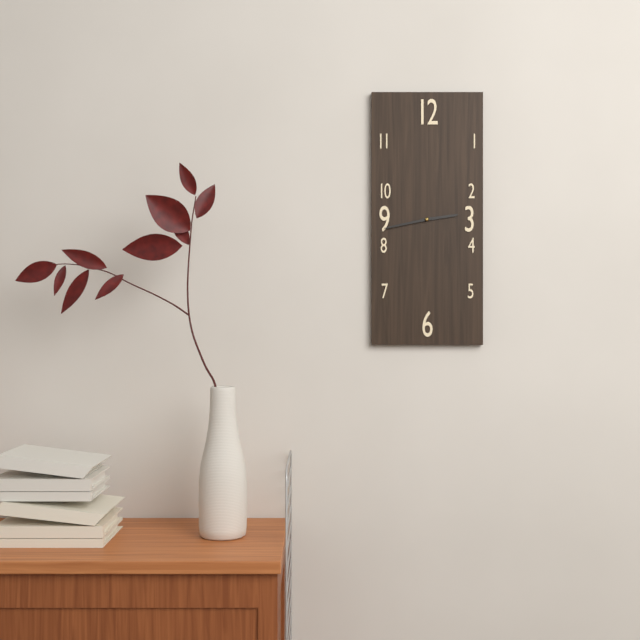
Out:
2.43
